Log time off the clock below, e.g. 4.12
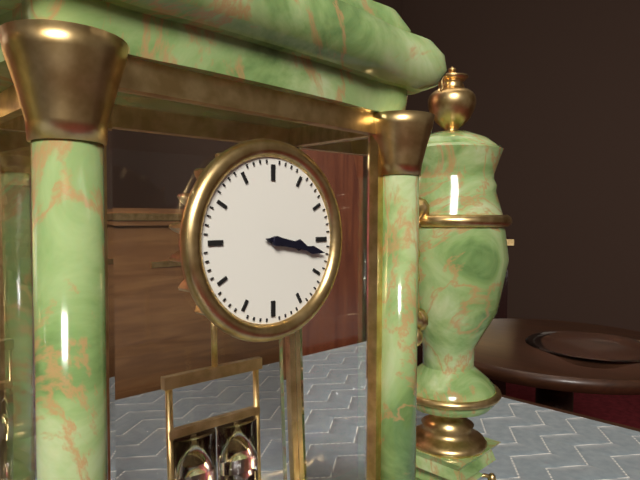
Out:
3.17
